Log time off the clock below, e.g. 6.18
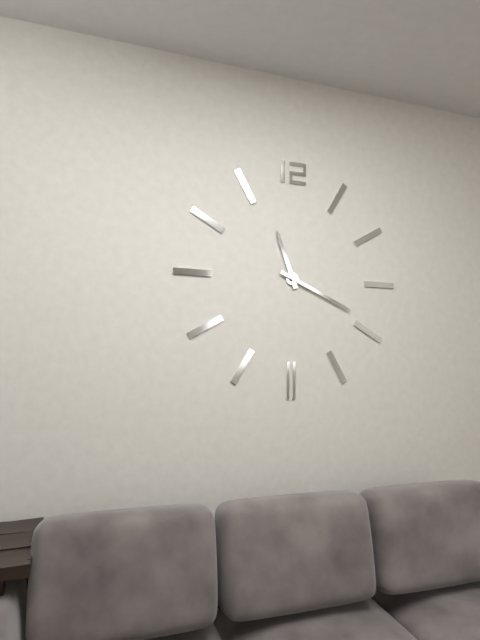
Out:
11.19
